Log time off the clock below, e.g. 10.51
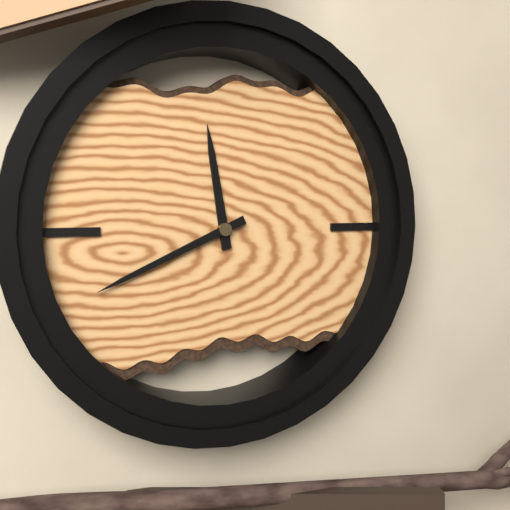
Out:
11.41
